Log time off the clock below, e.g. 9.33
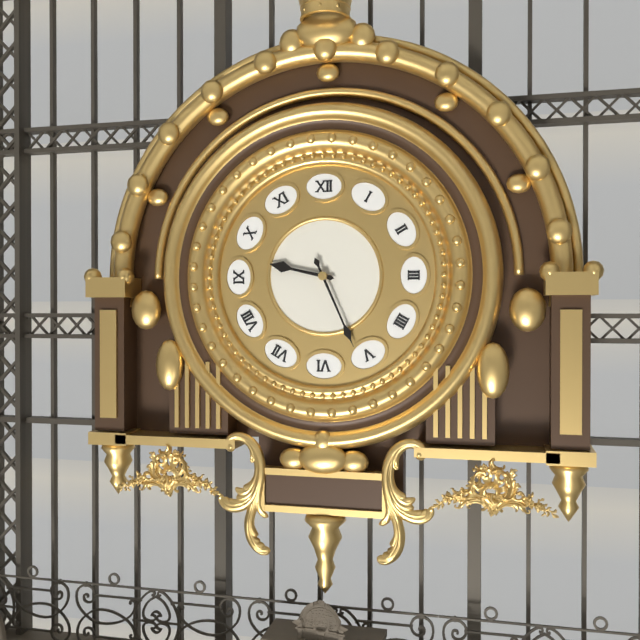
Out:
9.26
